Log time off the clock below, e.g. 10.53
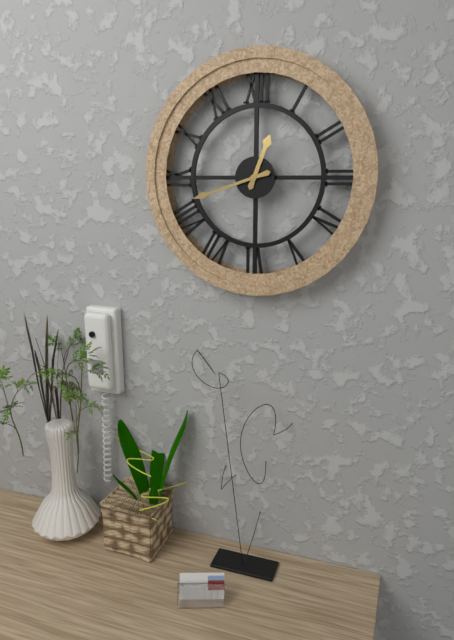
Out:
12.42
